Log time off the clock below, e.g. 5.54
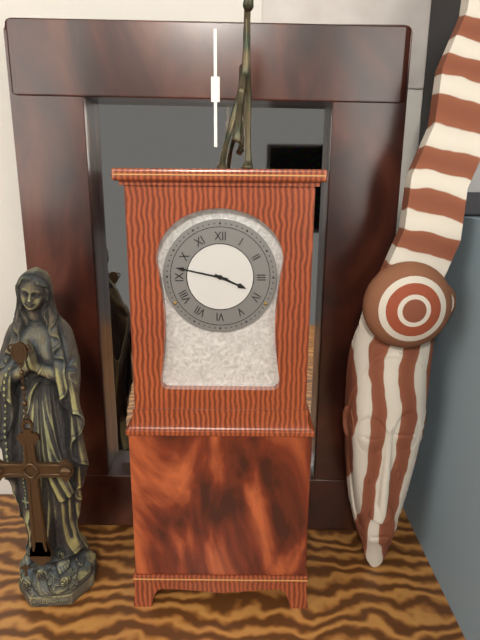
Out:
3.47
